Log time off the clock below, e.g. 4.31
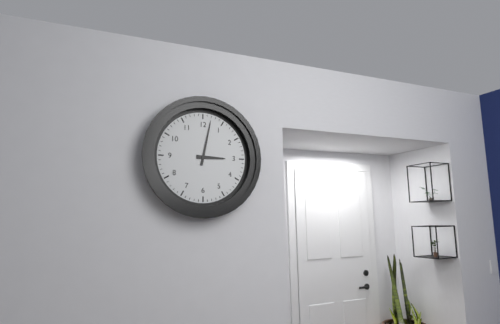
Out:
3.02
